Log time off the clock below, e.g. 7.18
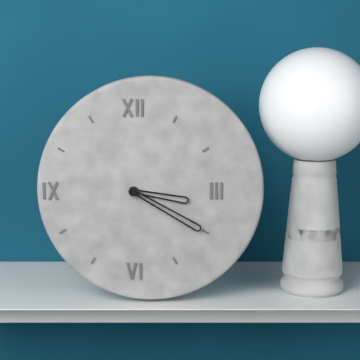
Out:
3.20
